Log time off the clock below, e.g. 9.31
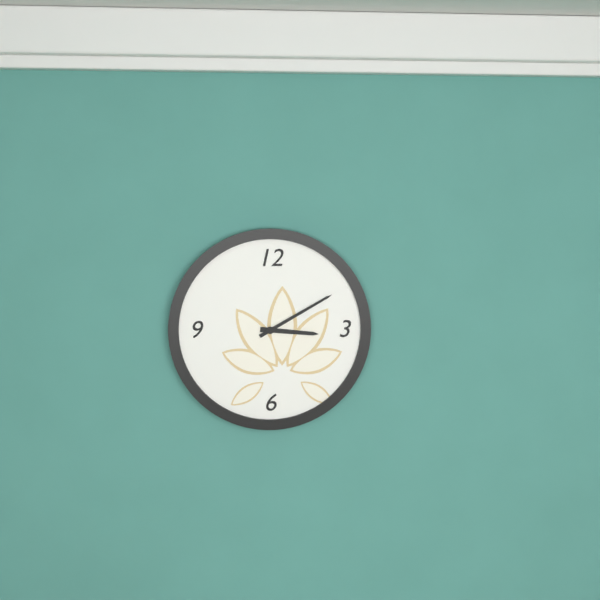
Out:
3.10
